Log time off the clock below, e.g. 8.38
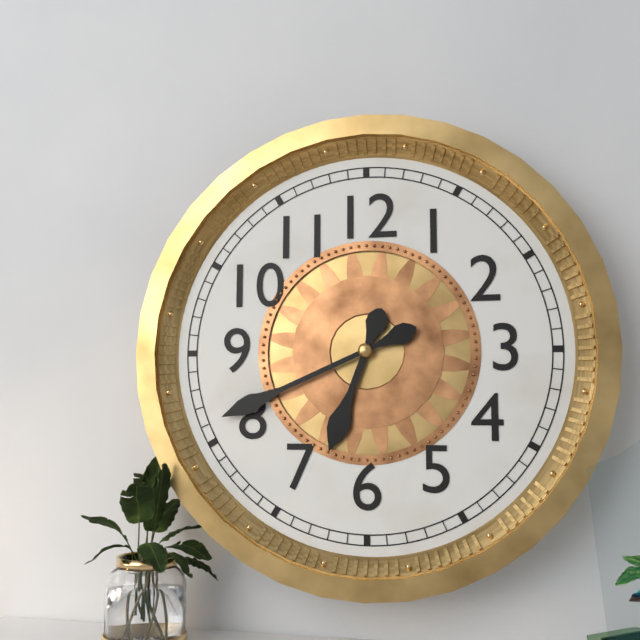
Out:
6.41
